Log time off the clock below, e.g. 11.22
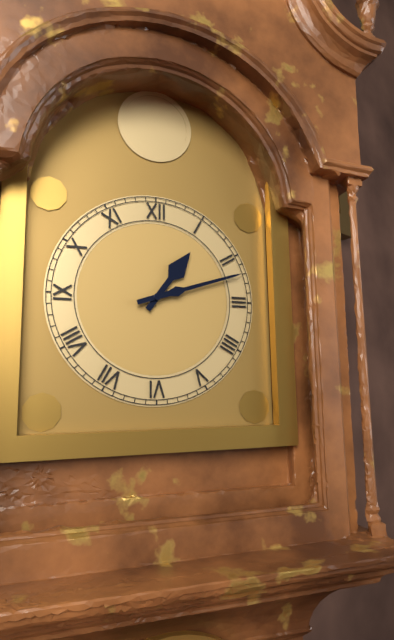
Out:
1.12
